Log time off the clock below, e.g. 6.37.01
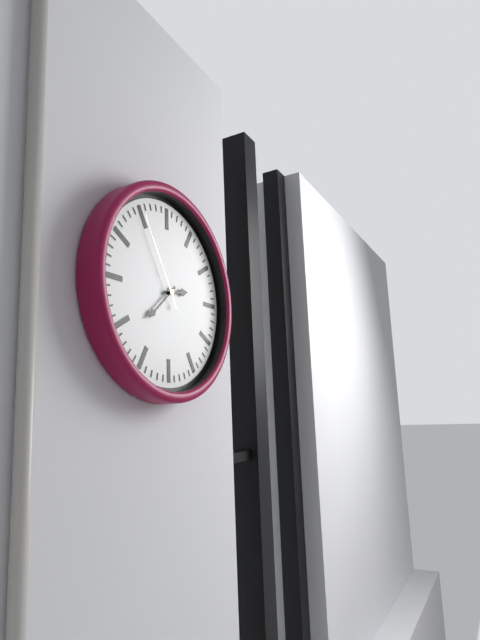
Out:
2.38.55
